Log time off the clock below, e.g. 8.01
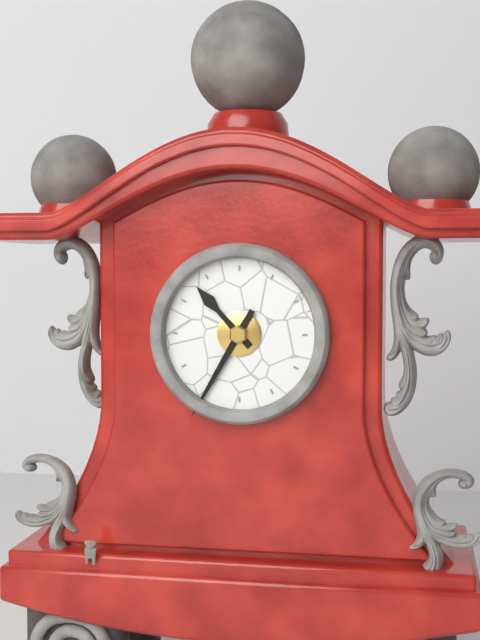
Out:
10.35
